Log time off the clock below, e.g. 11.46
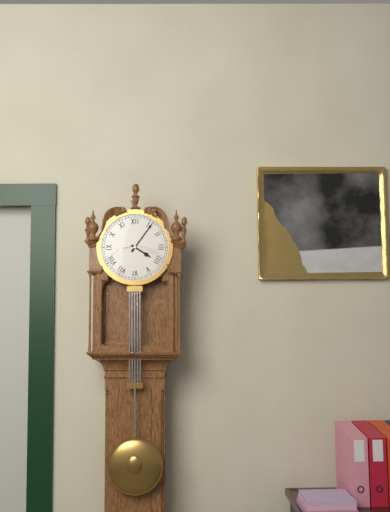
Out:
4.06
